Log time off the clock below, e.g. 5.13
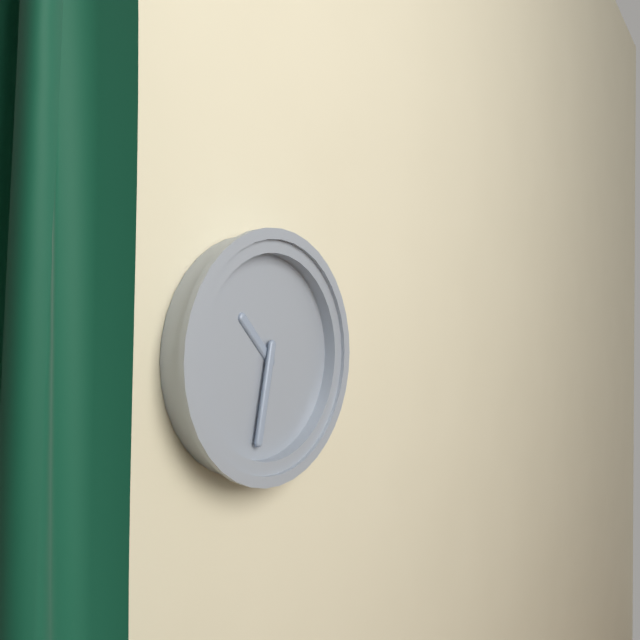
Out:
10.32
